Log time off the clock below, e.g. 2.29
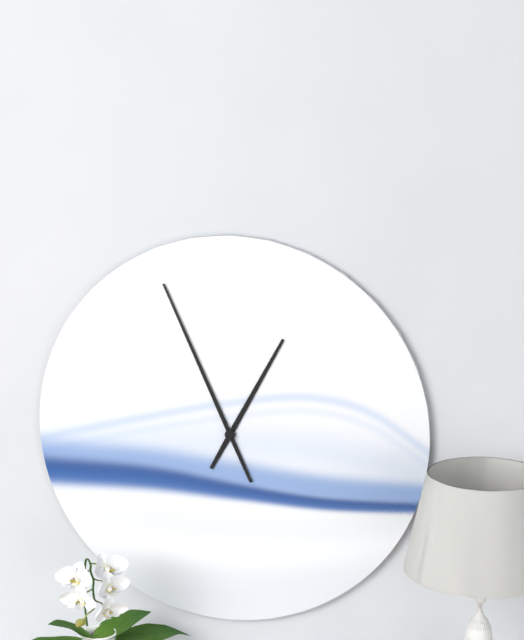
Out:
12.56
